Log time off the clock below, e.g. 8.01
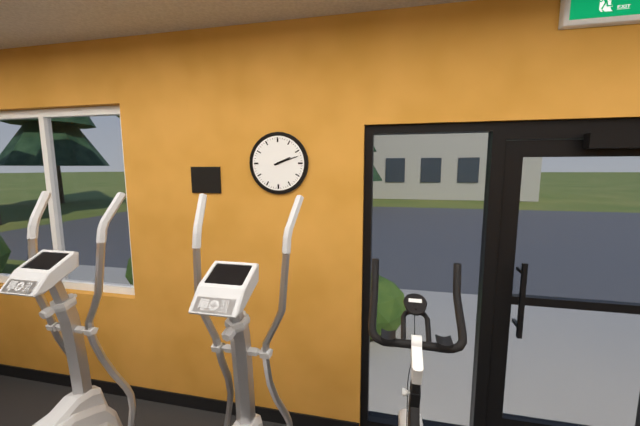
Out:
2.12
